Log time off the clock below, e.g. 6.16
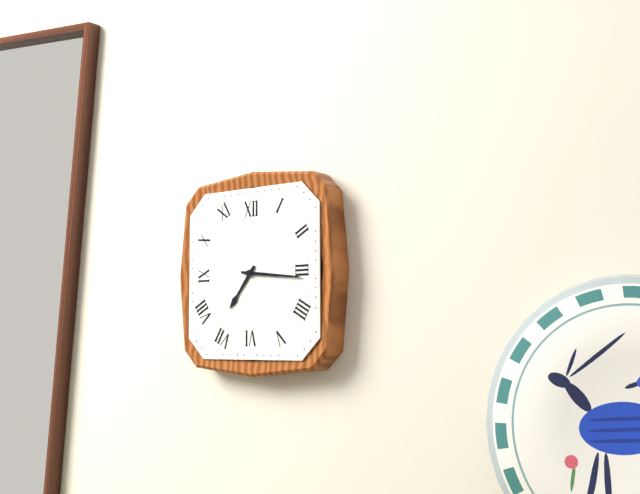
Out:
7.16
